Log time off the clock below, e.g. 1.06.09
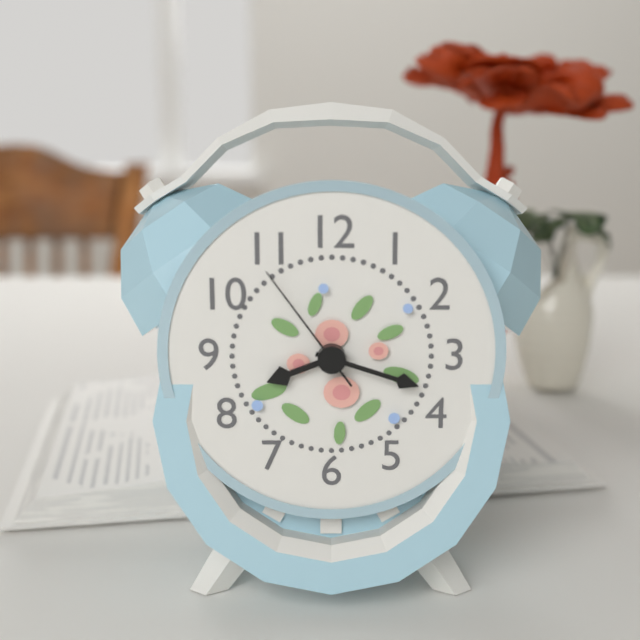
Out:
8.18.54
